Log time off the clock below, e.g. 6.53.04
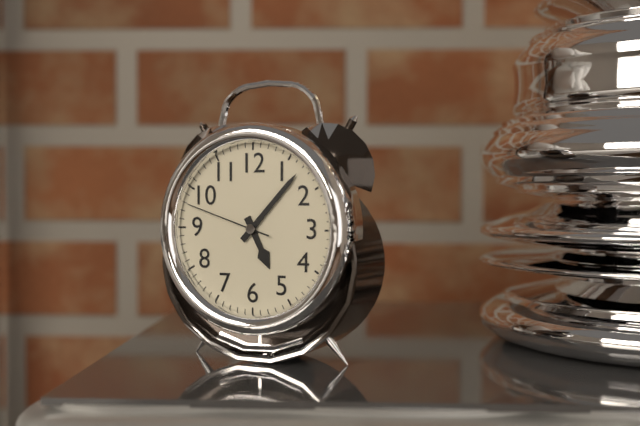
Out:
5.07.48
